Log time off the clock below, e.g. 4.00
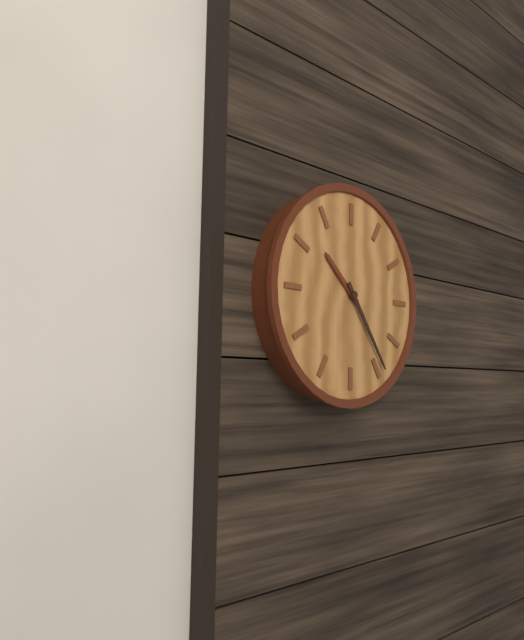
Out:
10.24
